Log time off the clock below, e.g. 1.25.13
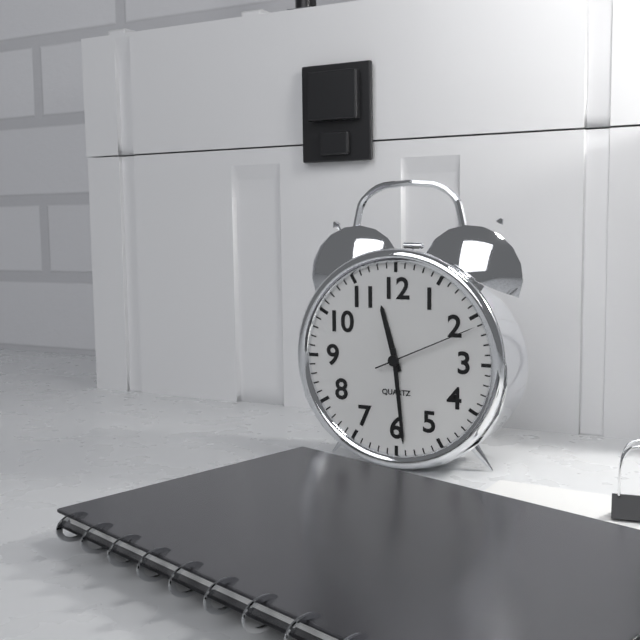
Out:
11.29.11
